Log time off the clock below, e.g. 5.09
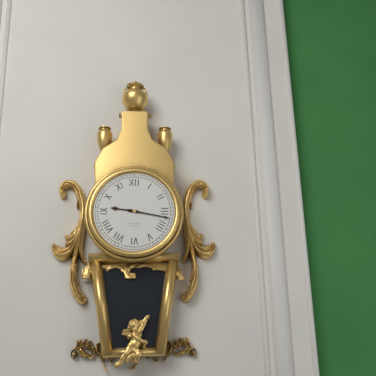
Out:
9.17
